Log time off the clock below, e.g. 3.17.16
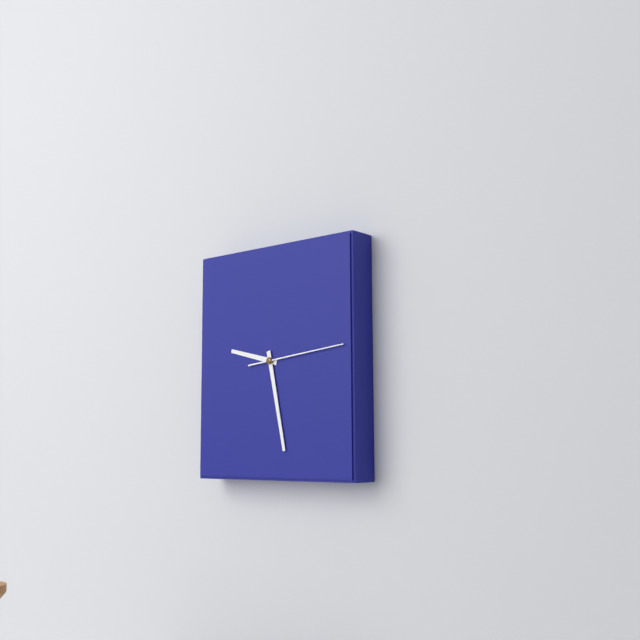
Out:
9.28.14
